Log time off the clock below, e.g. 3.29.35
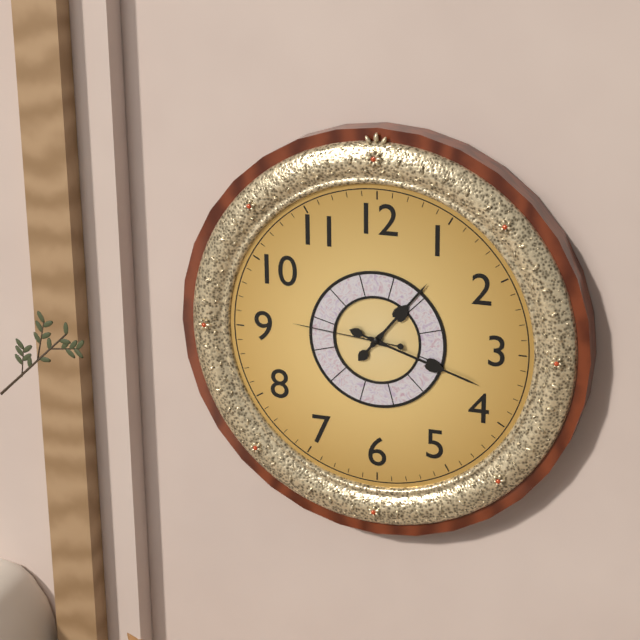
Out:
1.18.46
